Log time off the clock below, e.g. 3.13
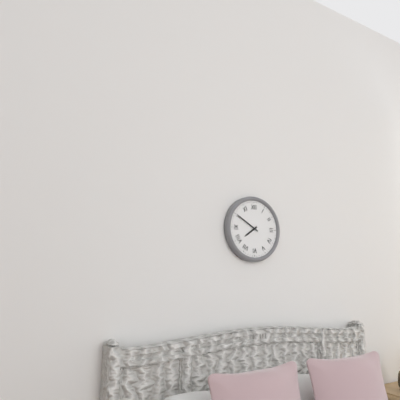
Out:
7.50
